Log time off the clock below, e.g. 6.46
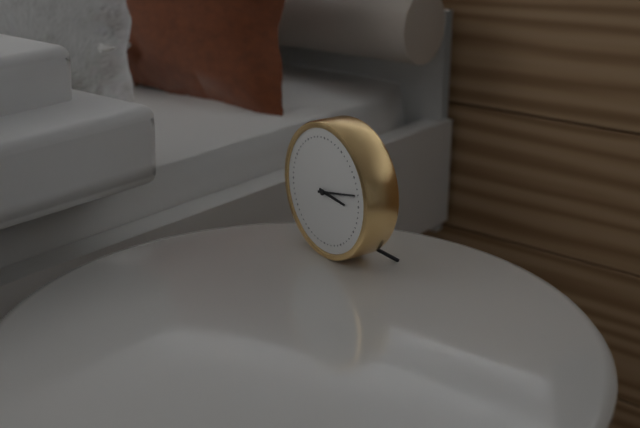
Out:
3.13
